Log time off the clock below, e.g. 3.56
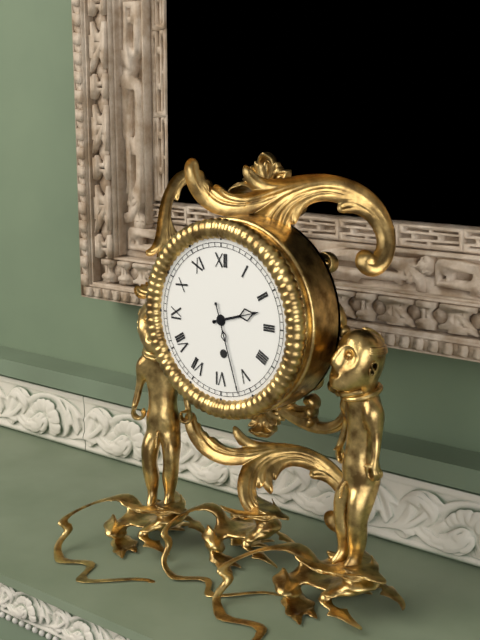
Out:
2.27
